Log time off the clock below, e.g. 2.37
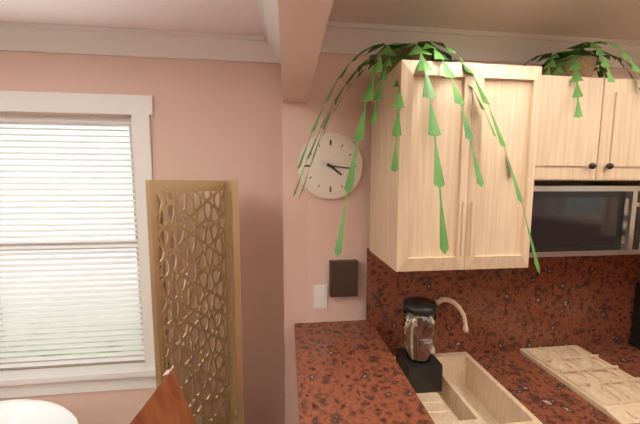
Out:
4.16
